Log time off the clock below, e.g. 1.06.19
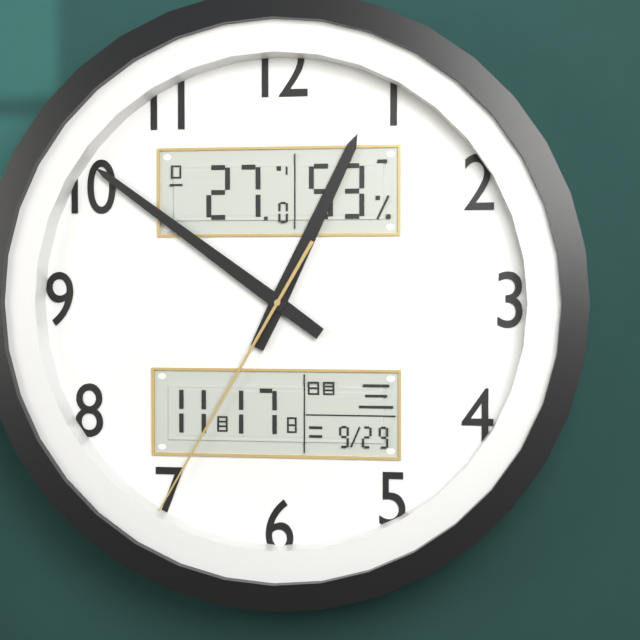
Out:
12.51.35
